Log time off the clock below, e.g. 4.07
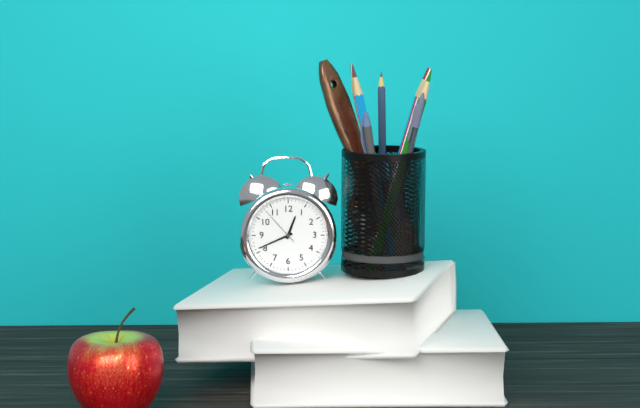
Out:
12.41
